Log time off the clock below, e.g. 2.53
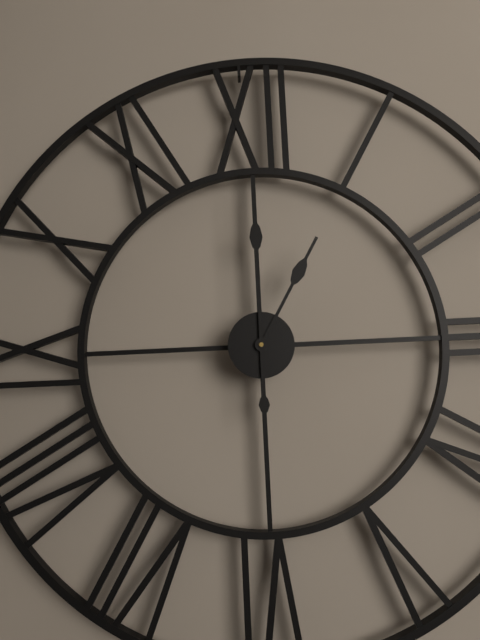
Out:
1.00
